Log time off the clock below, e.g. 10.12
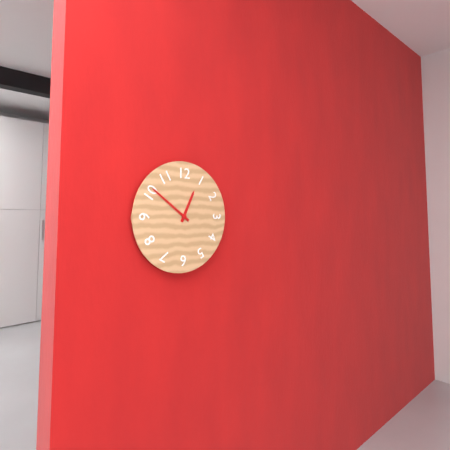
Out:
12.51
